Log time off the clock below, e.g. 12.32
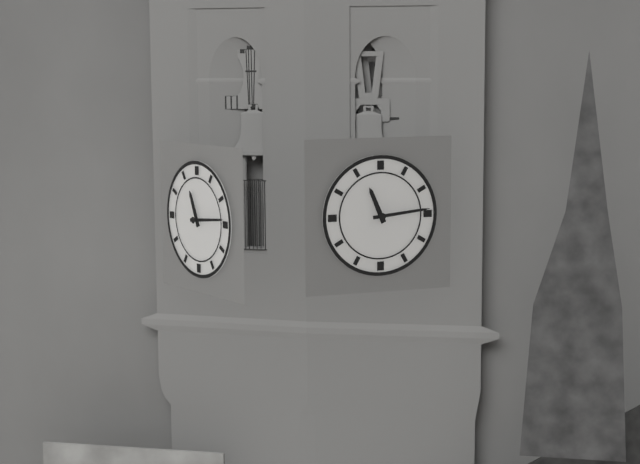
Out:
11.14
